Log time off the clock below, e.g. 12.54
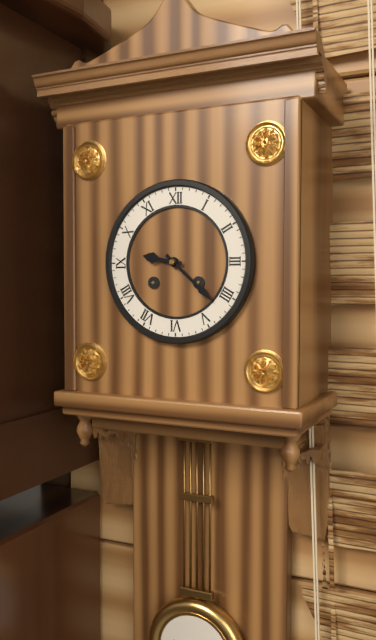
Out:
9.22
